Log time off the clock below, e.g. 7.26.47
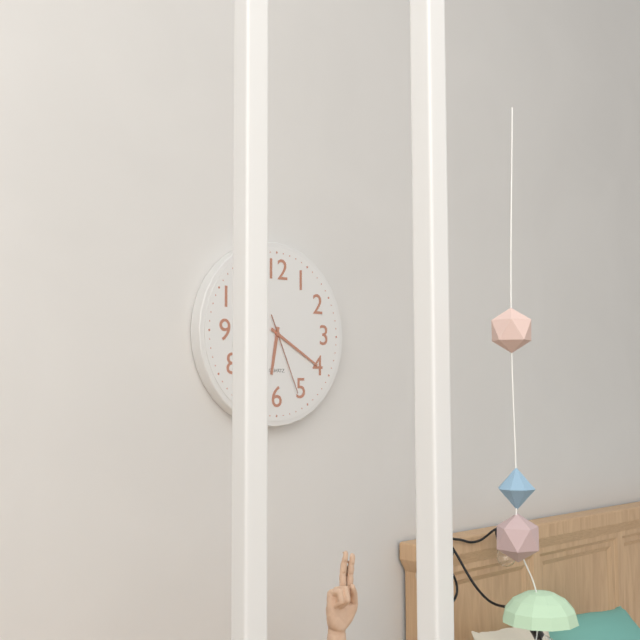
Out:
6.20.26
